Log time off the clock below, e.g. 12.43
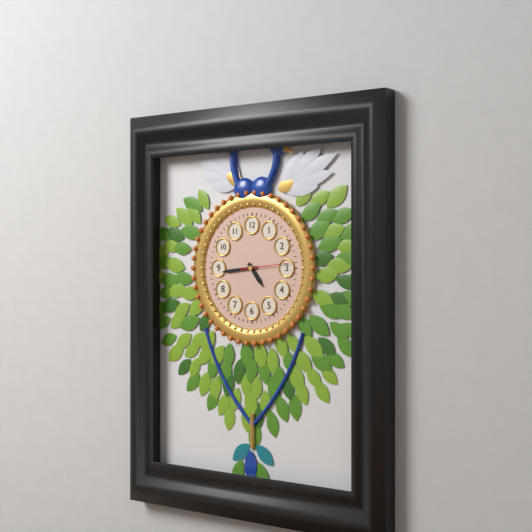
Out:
4.44
